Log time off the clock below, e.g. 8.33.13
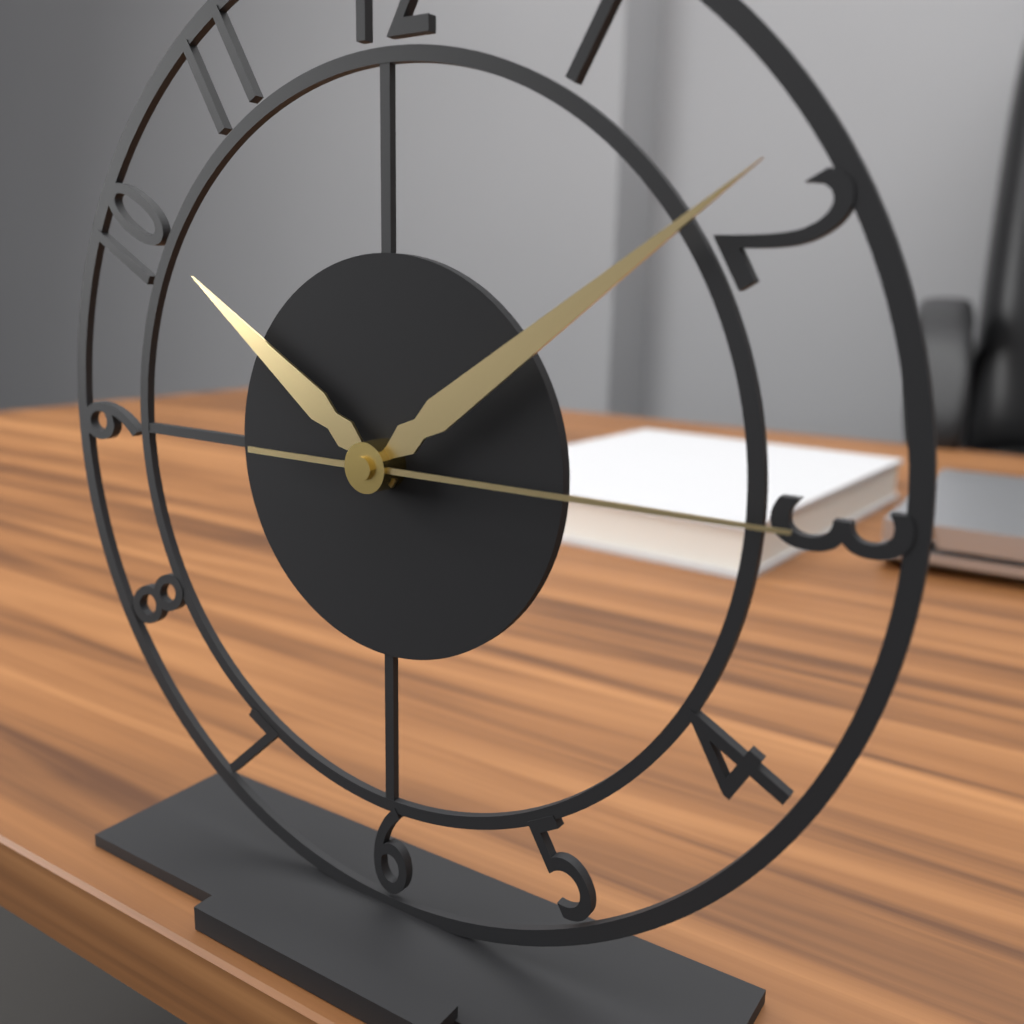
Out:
10.09.15
